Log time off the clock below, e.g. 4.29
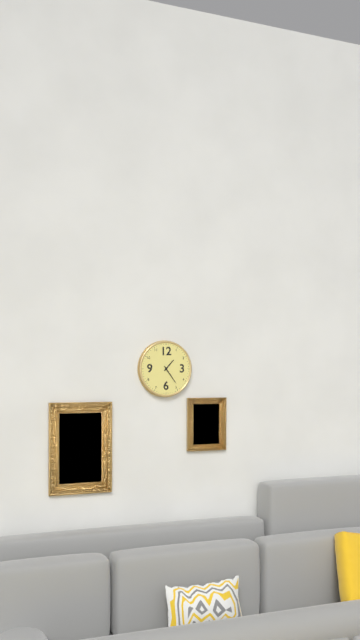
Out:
1.24
